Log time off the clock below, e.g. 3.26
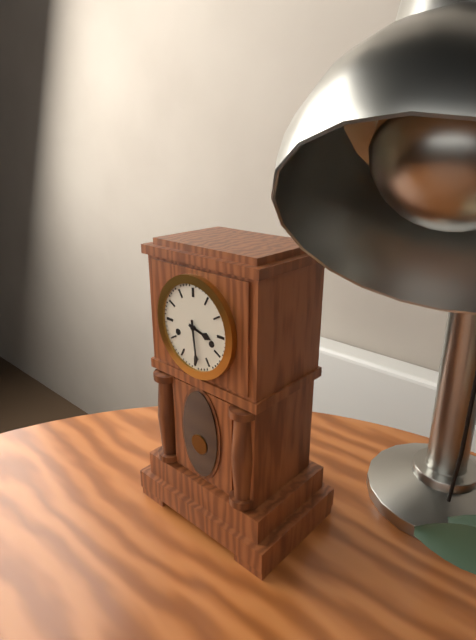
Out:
3.29
